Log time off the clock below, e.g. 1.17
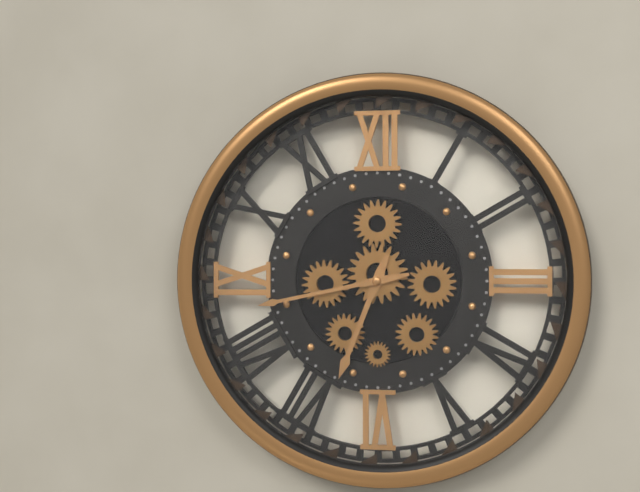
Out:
6.43
